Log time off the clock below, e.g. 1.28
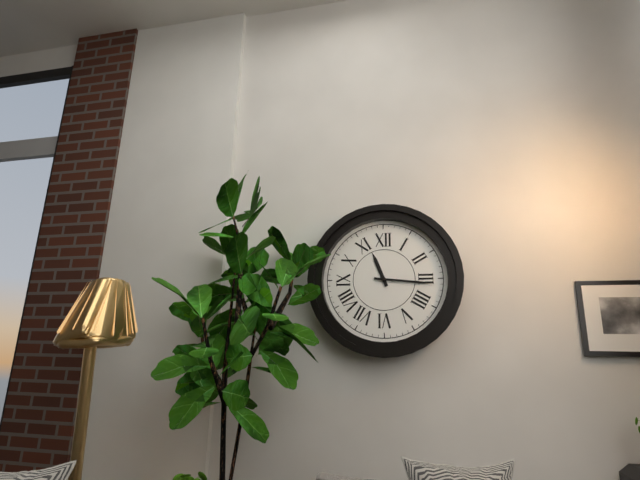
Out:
11.16
